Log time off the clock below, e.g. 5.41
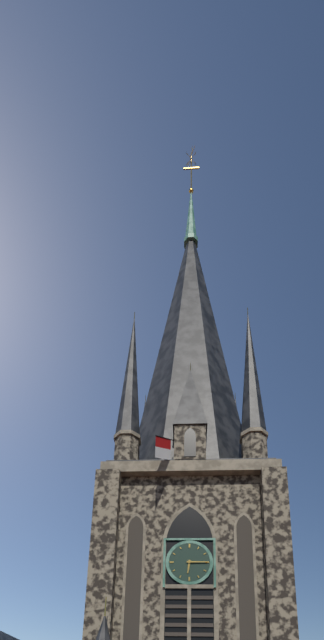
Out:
6.15
